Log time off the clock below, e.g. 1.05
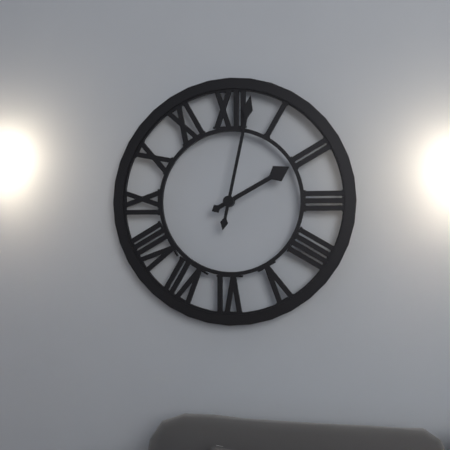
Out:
2.02
